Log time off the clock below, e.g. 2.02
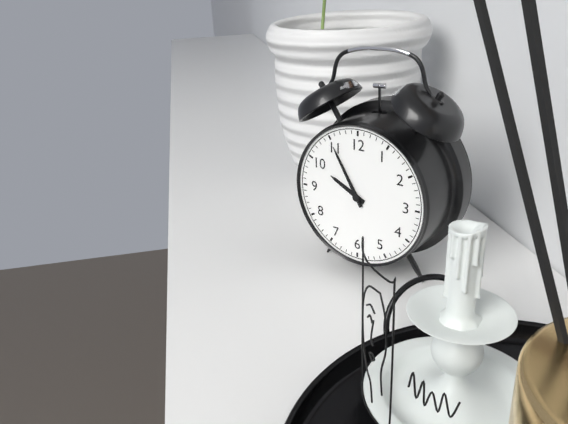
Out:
9.55
